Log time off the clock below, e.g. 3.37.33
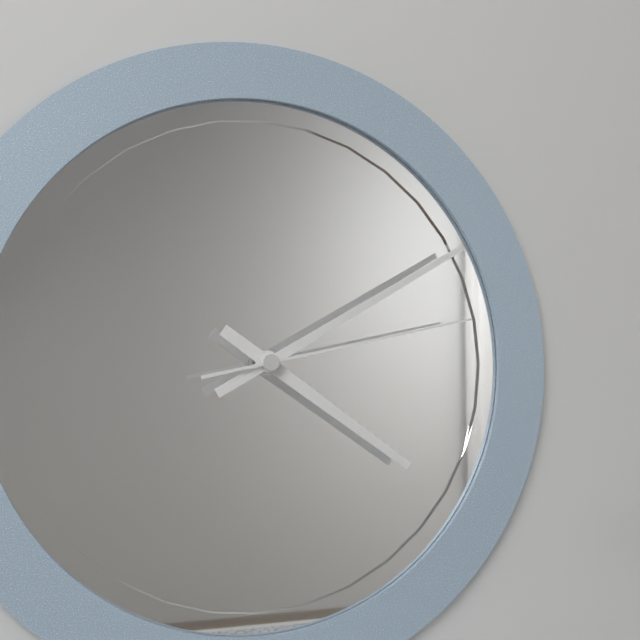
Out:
4.10.13
